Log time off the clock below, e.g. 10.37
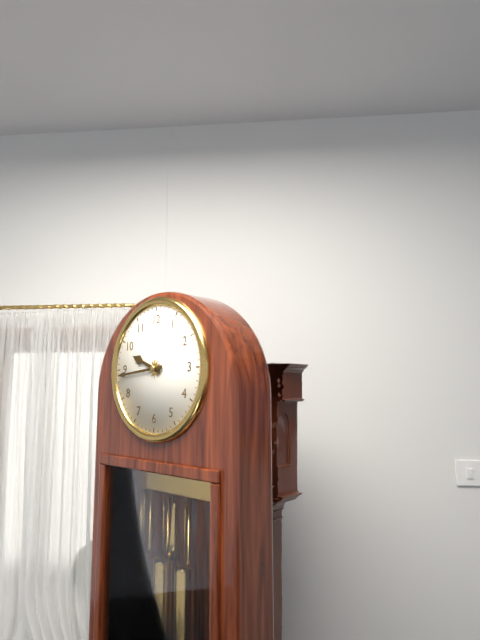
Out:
9.44
